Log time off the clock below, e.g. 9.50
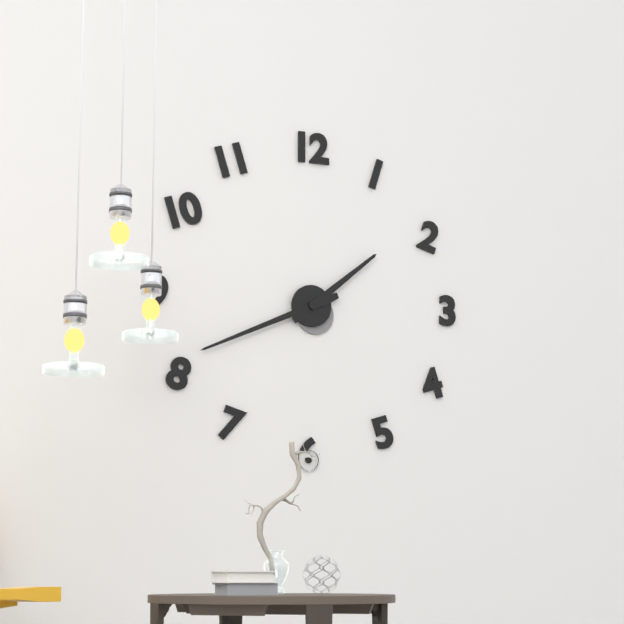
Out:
1.41
